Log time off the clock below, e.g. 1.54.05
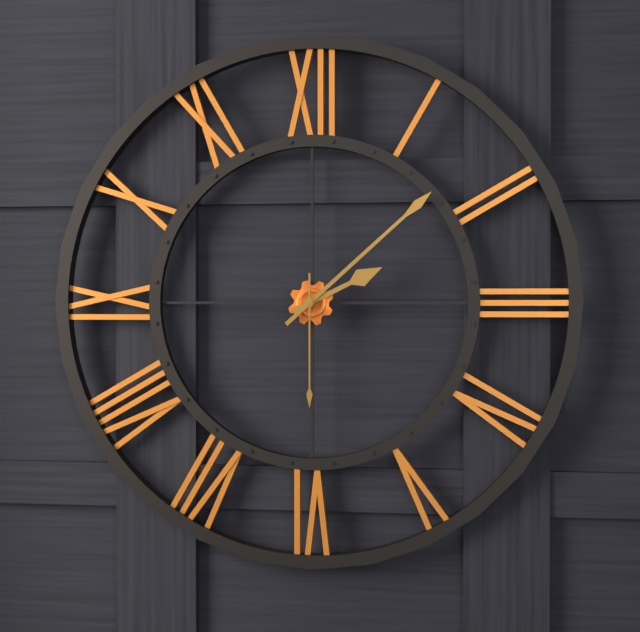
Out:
2.08.30
